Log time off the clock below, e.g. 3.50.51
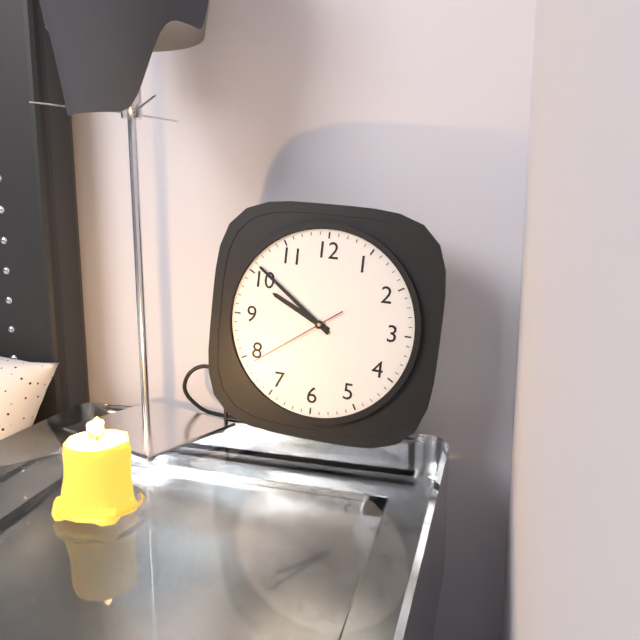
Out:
9.51.39
